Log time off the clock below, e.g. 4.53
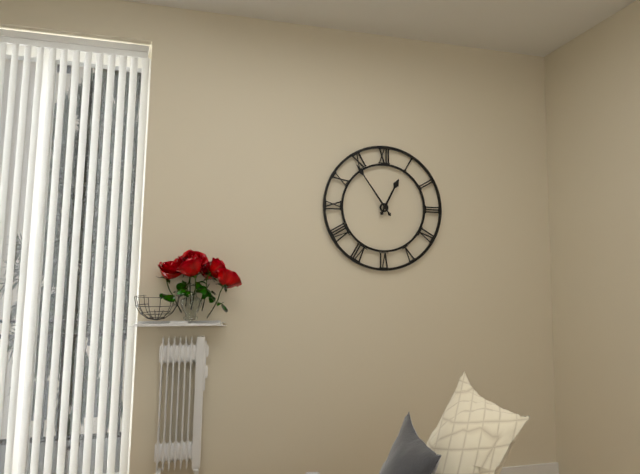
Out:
12.54
